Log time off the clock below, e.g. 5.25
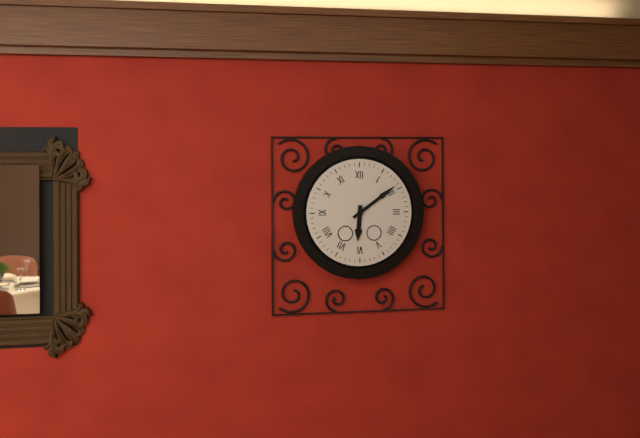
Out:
6.09
